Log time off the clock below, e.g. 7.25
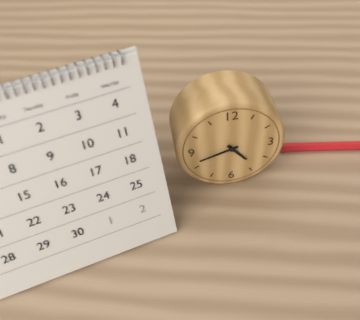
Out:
4.42
